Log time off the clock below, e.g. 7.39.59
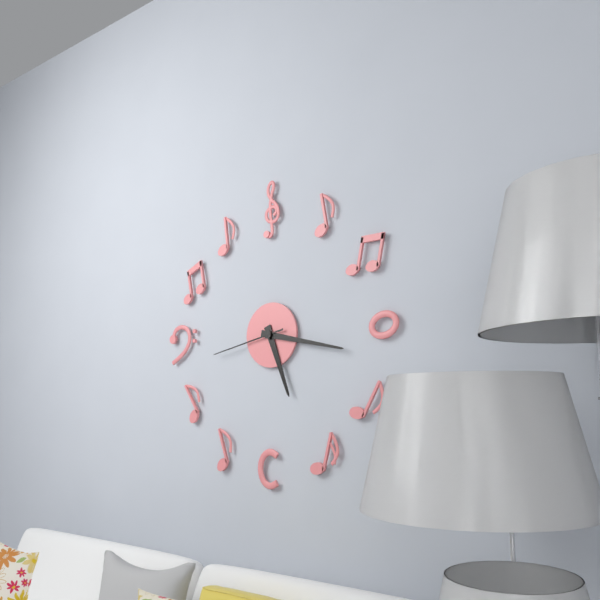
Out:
5.17.43
